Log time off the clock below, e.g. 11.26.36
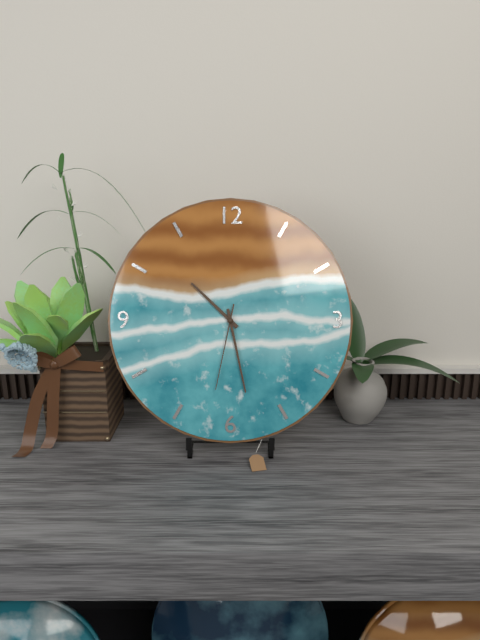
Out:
10.28.32
